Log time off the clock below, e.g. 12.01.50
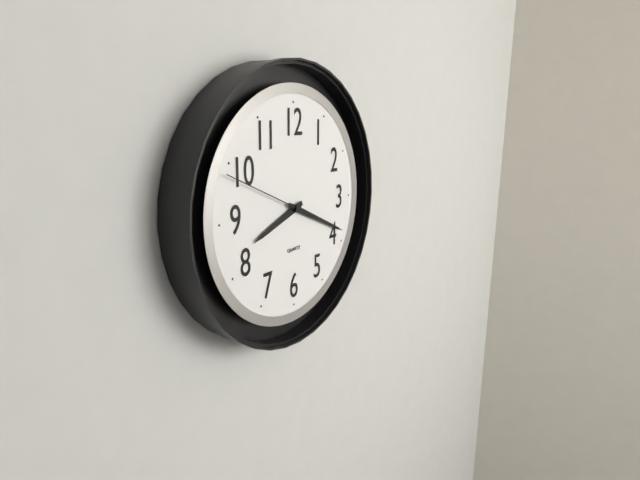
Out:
8.19.49
